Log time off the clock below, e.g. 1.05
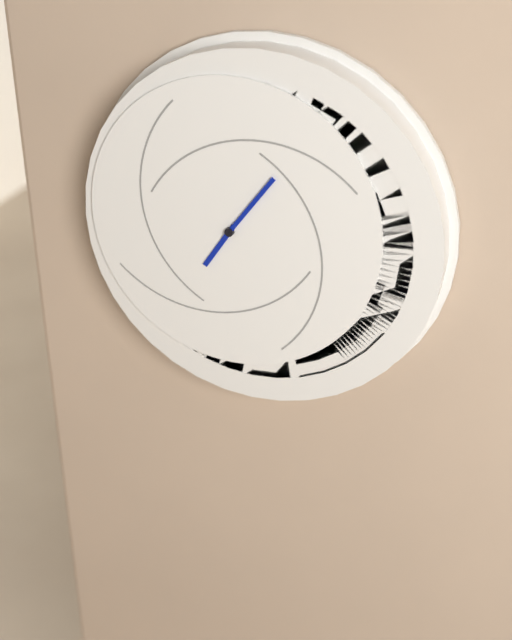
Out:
7.06
